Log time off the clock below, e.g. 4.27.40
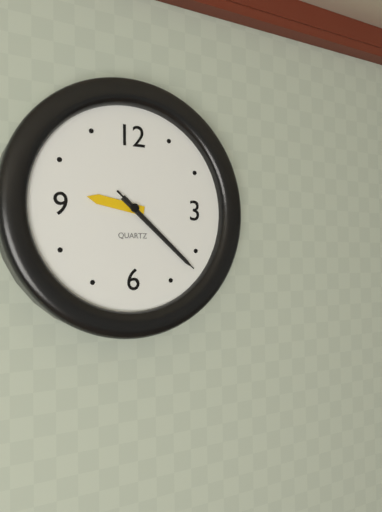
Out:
9.22.22
